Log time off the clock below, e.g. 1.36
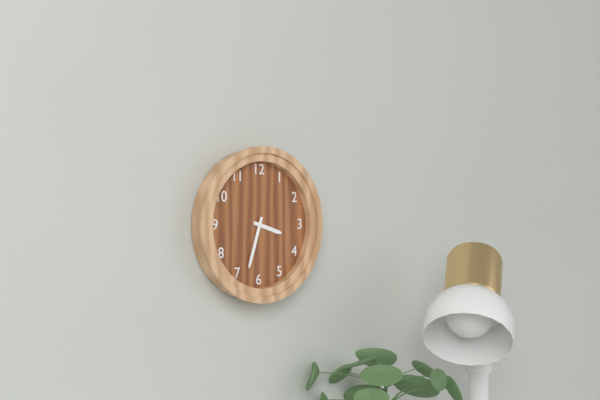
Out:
3.33
